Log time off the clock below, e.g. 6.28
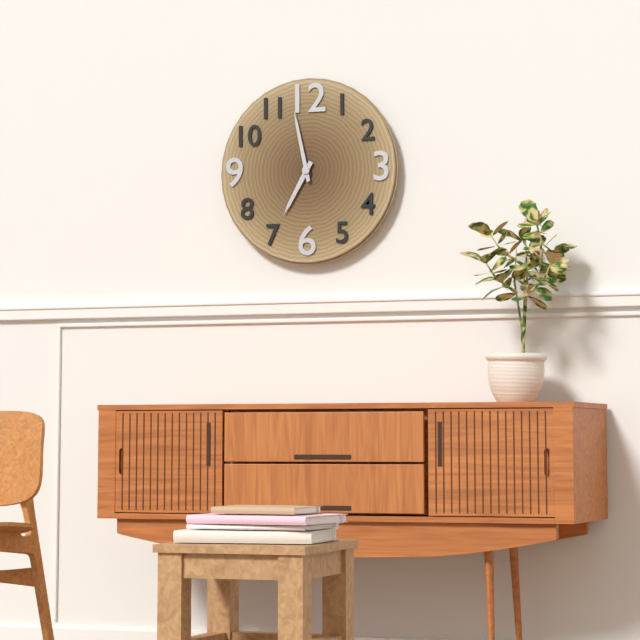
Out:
6.58
